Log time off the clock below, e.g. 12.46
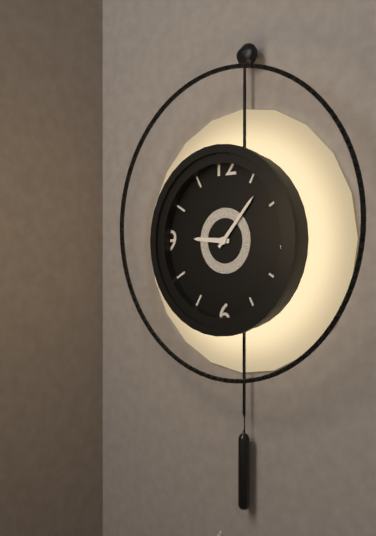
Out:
9.07
